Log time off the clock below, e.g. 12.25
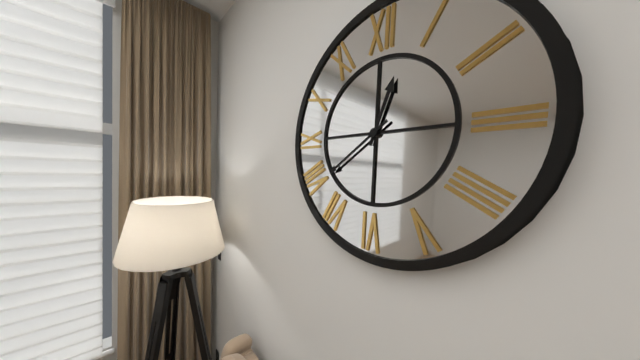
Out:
12.39
